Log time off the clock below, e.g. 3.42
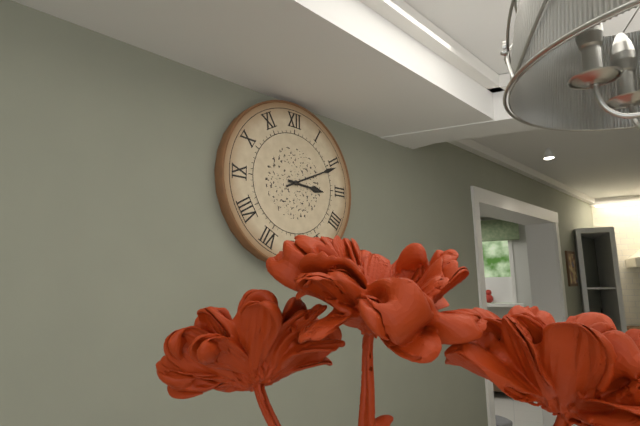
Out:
3.11
